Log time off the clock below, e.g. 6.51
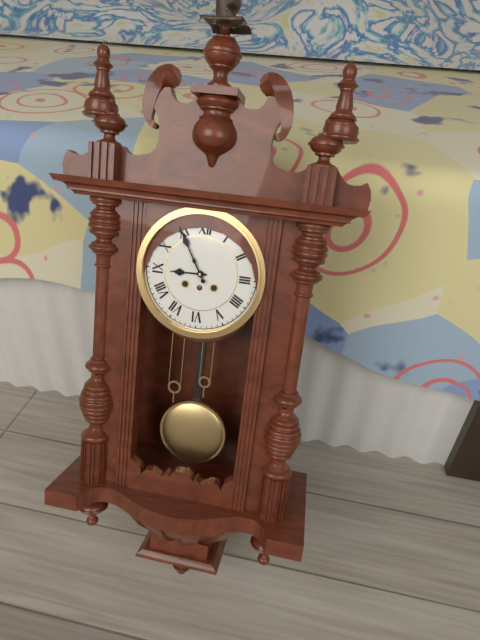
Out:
8.55
